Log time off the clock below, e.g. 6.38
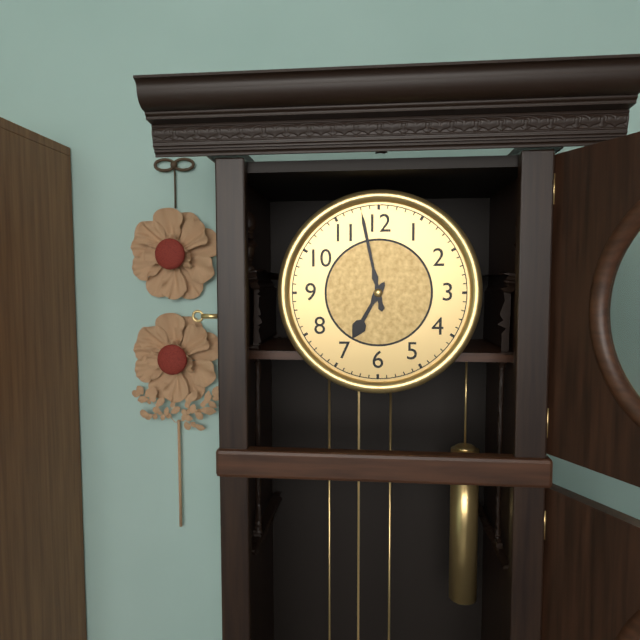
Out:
6.58
